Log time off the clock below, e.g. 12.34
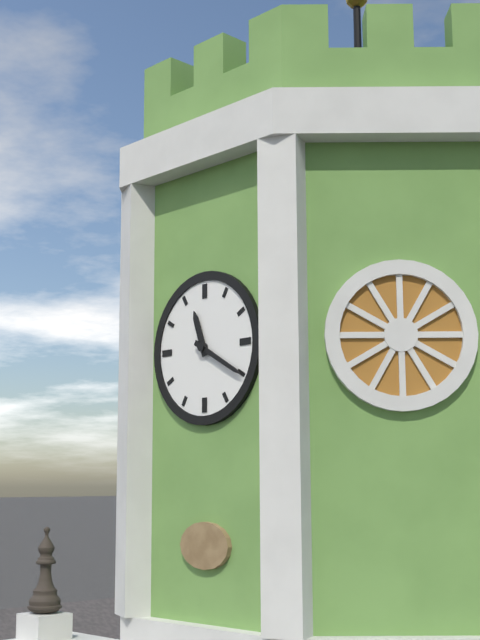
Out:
11.20
